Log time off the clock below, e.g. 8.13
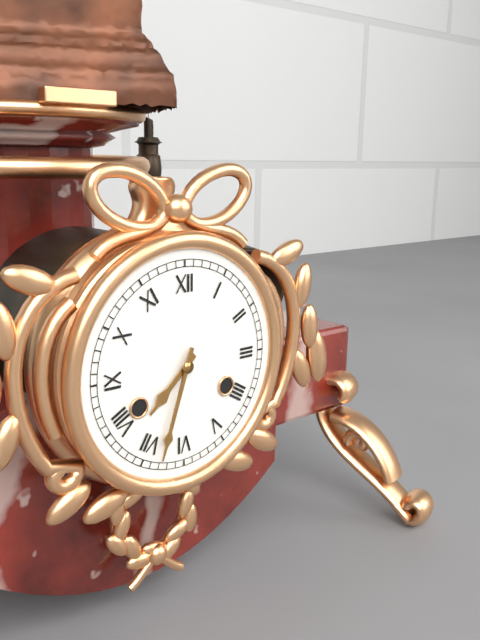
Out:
7.33
